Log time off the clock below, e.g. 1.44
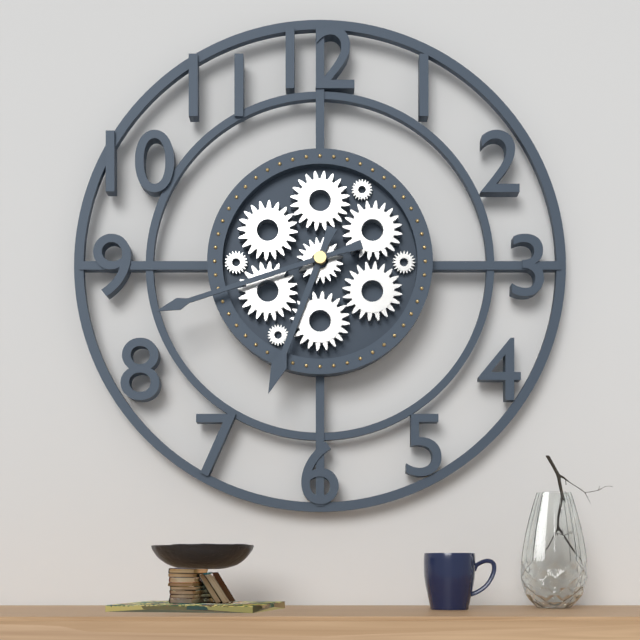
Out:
6.42
